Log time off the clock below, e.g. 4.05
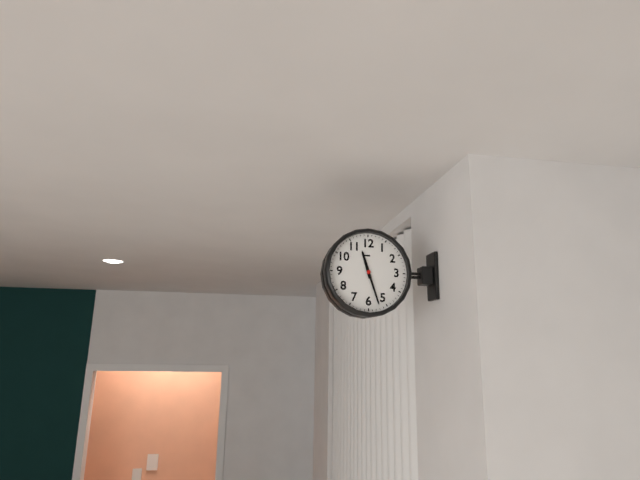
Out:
11.27
